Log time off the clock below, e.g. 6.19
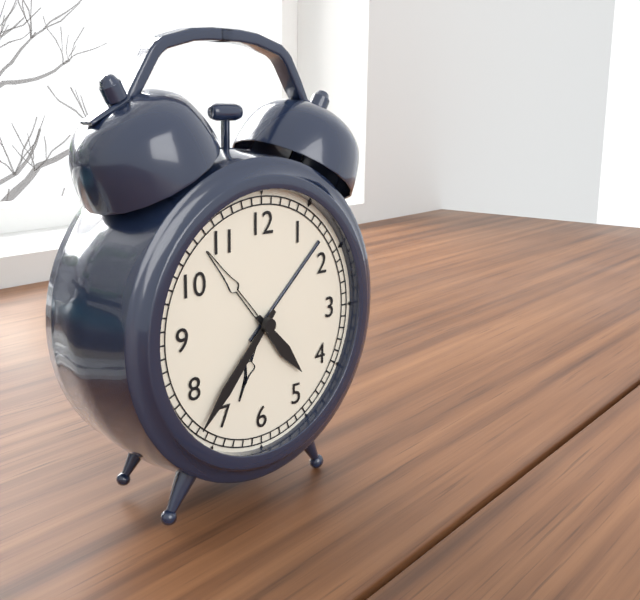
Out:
4.37
